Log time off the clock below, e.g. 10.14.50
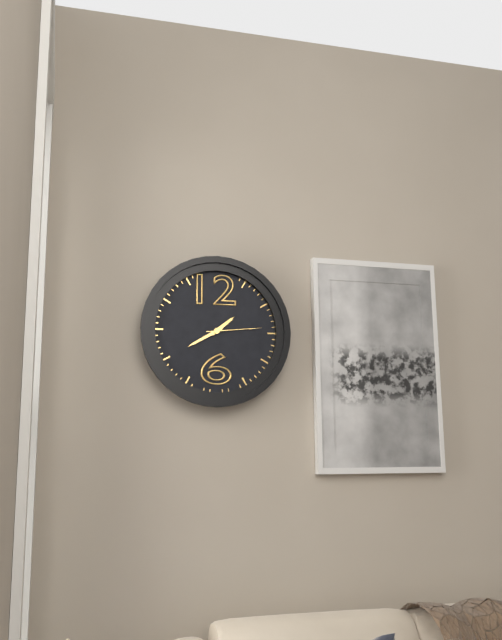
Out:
1.40.14
